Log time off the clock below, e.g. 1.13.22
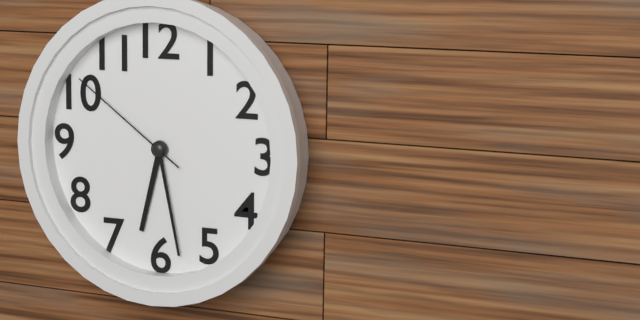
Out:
6.28.51
